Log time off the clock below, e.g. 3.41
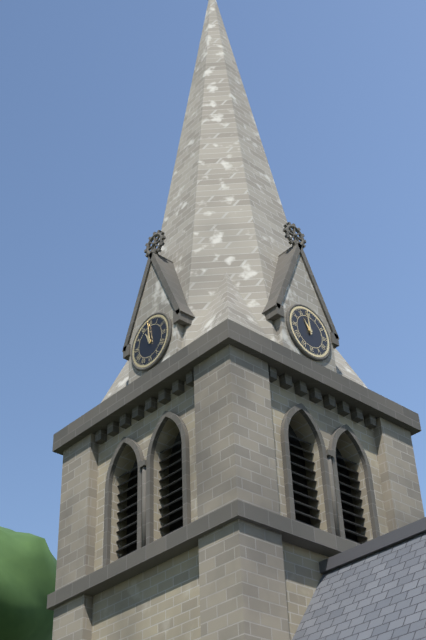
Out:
10.59
